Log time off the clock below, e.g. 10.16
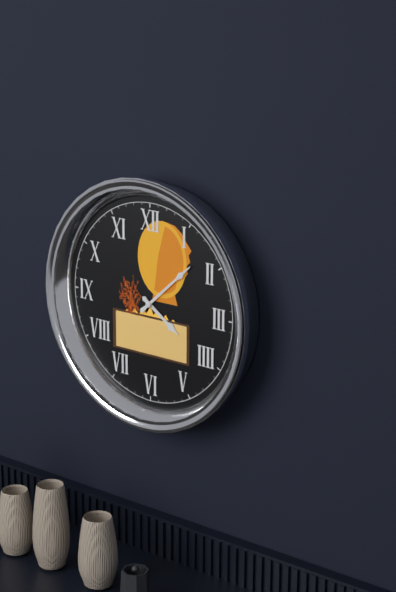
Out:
4.08
